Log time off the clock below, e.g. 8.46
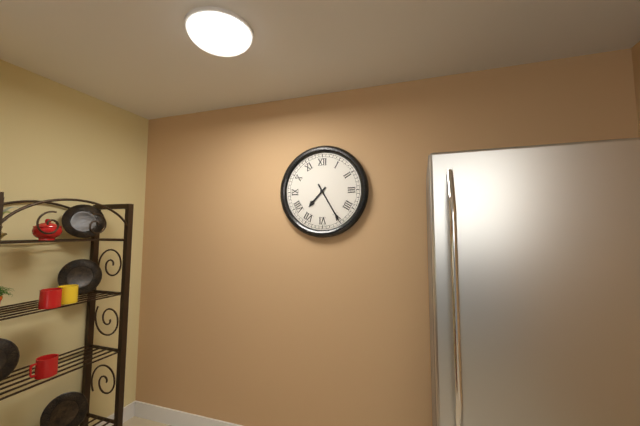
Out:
7.25
